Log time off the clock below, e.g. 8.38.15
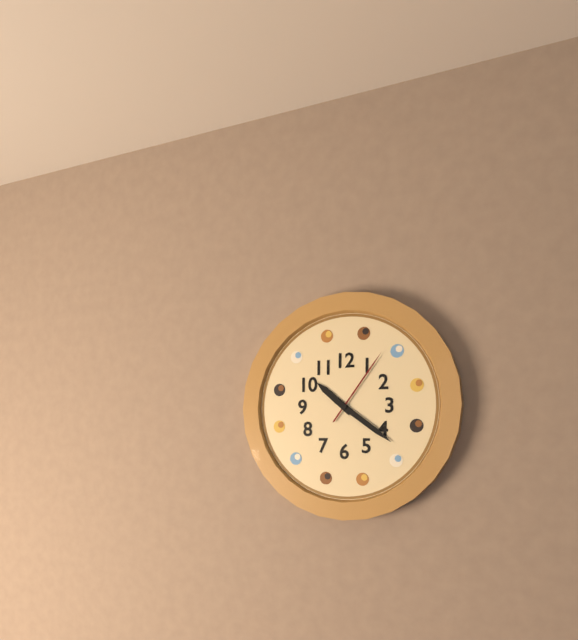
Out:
10.21.06
